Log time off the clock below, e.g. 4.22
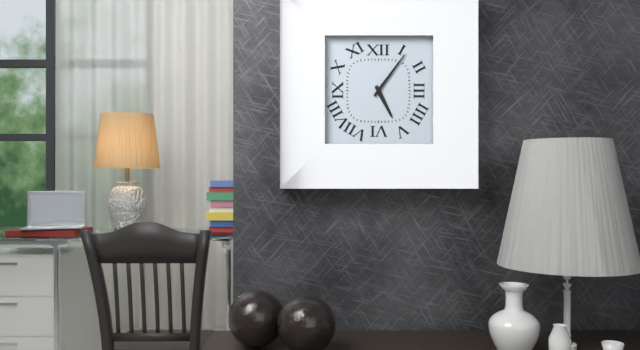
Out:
5.06
